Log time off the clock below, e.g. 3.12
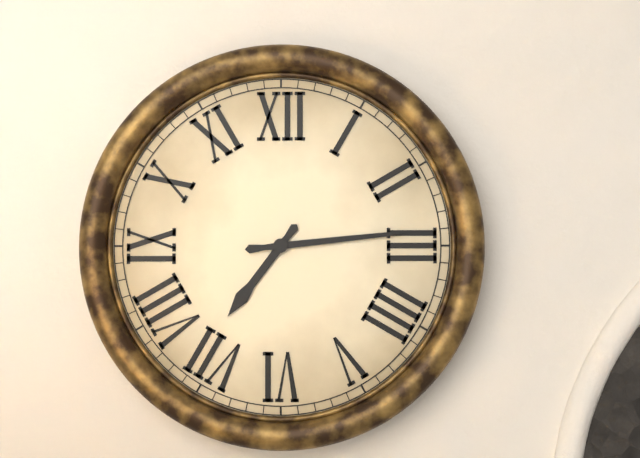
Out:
7.14
